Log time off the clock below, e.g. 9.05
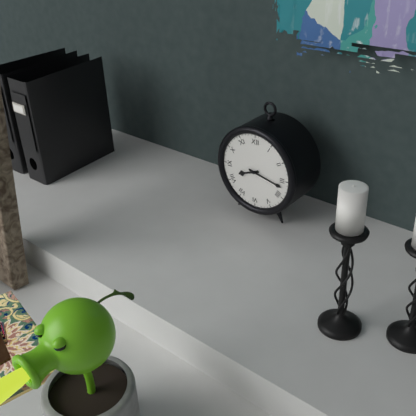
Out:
8.17
